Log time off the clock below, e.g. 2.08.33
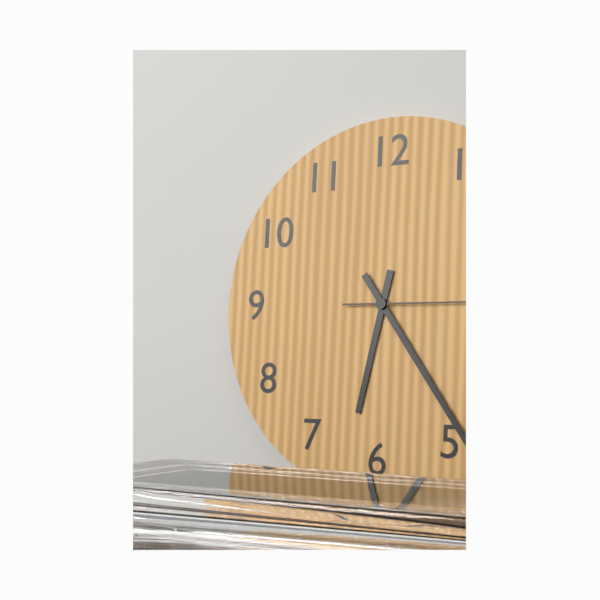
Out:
6.24.15
